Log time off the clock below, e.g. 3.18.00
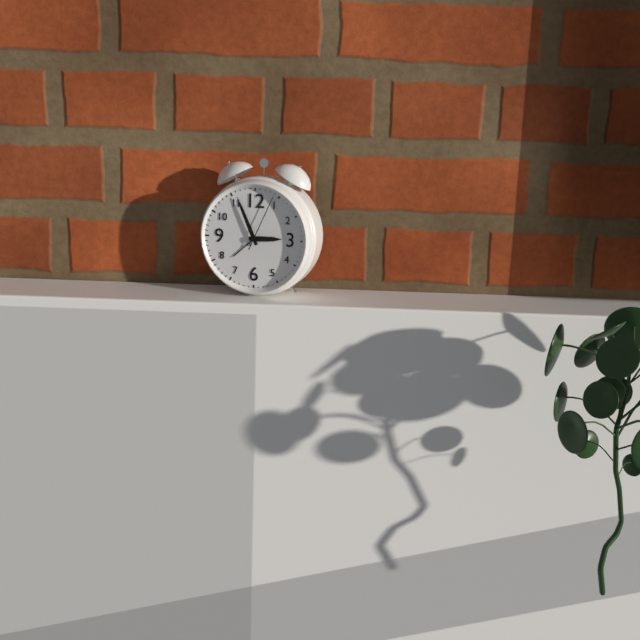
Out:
2.56.04
